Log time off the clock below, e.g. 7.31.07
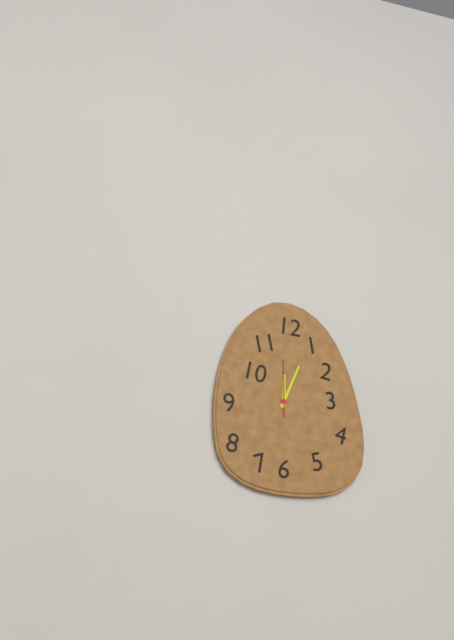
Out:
12.04.00
